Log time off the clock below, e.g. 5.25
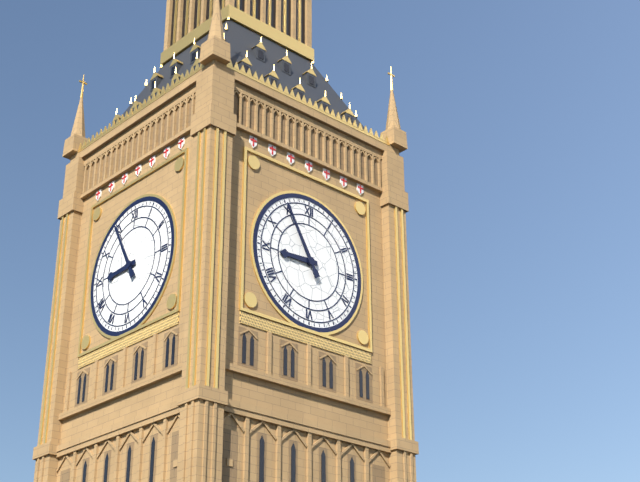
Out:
8.55
